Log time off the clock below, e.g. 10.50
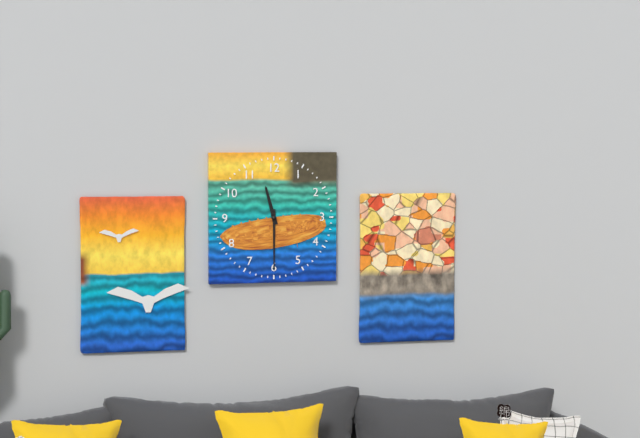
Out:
11.30
